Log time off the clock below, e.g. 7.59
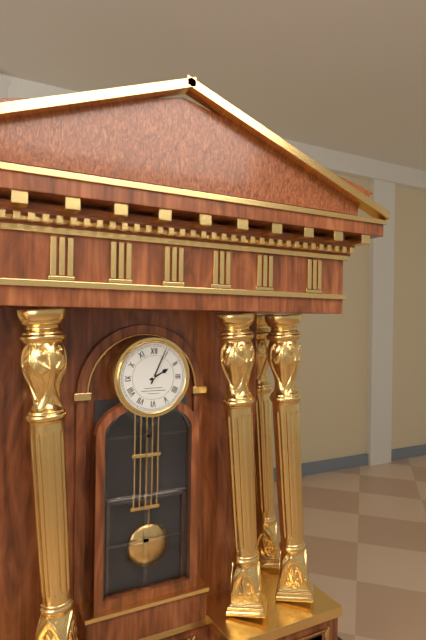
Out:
2.04
